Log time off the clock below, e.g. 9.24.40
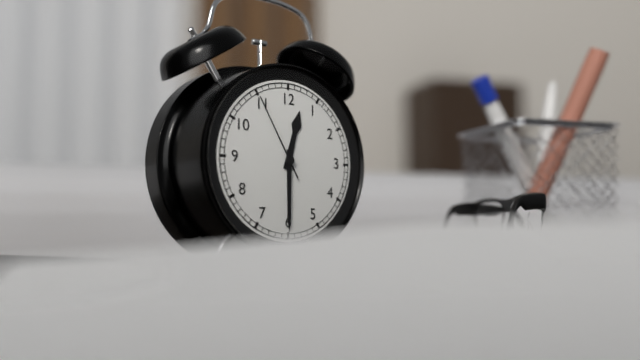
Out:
12.30.55
